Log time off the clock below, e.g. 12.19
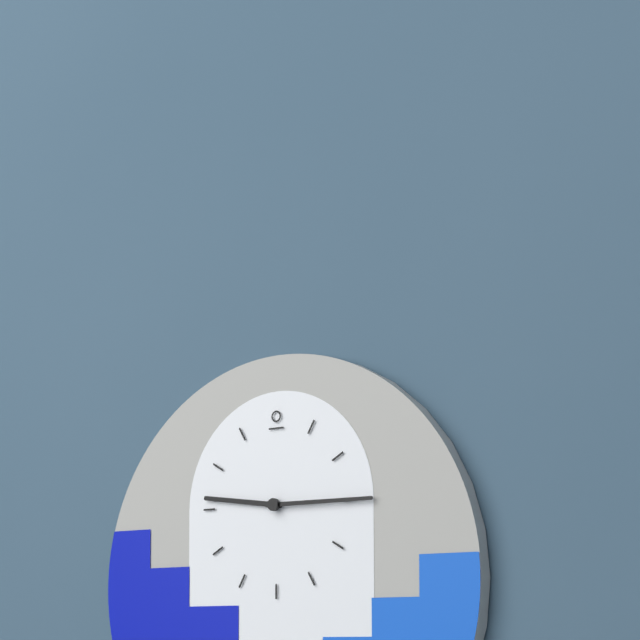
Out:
9.15
